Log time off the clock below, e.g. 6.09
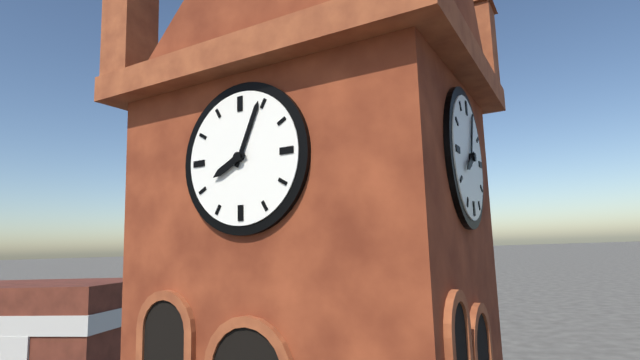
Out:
8.04
